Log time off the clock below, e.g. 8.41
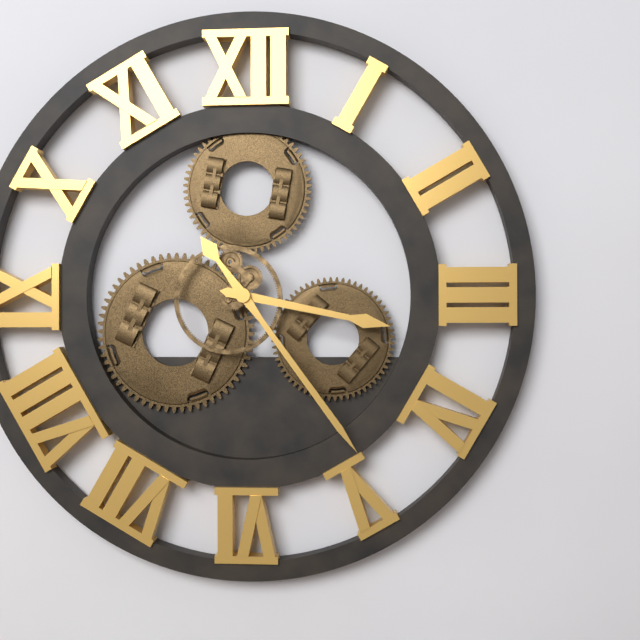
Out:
3.24
